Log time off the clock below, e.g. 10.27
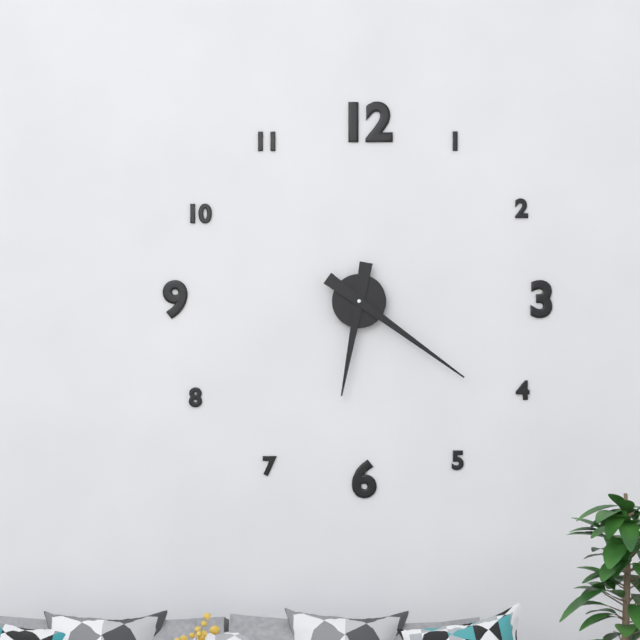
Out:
6.21
